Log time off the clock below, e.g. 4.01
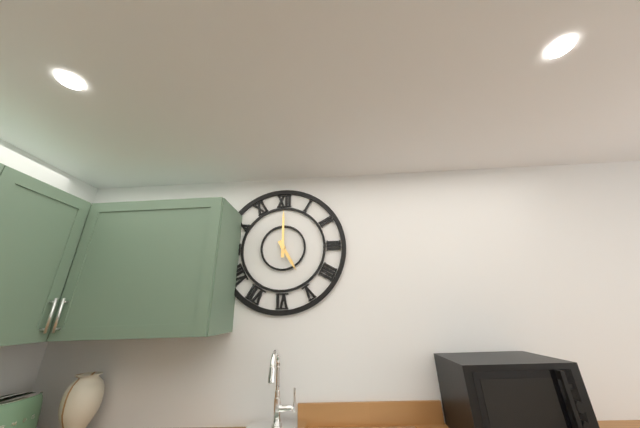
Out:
5.00
